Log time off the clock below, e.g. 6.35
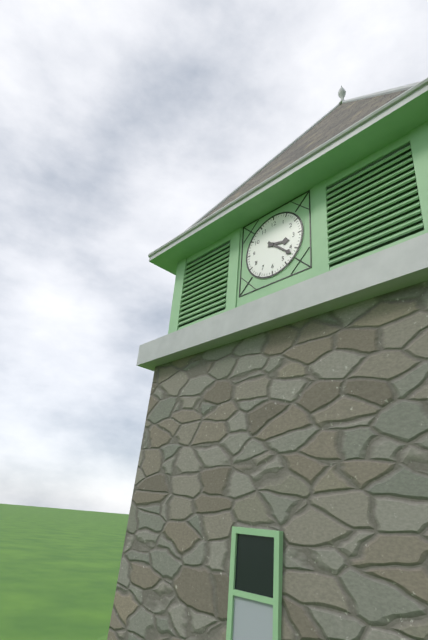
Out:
3.22
